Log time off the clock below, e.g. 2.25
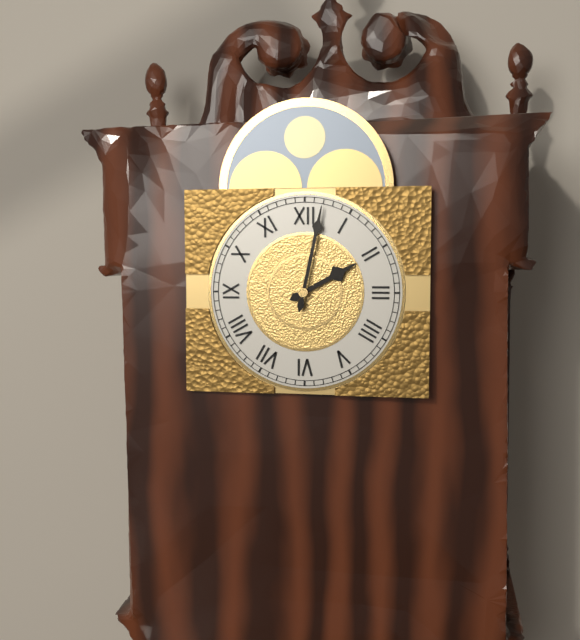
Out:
2.02
